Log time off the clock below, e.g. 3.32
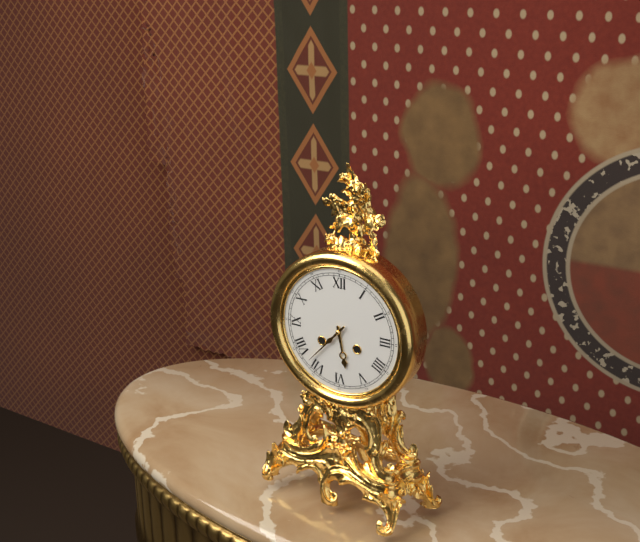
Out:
5.37
